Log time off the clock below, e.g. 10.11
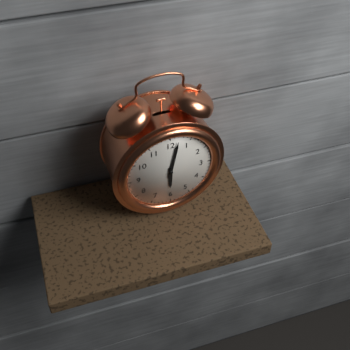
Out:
6.02
